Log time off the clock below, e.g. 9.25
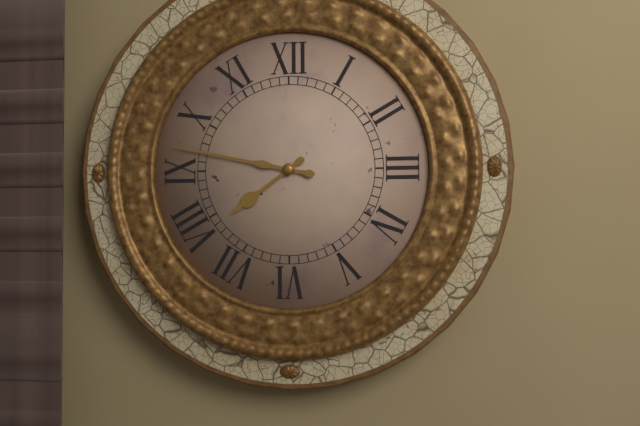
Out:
7.47
